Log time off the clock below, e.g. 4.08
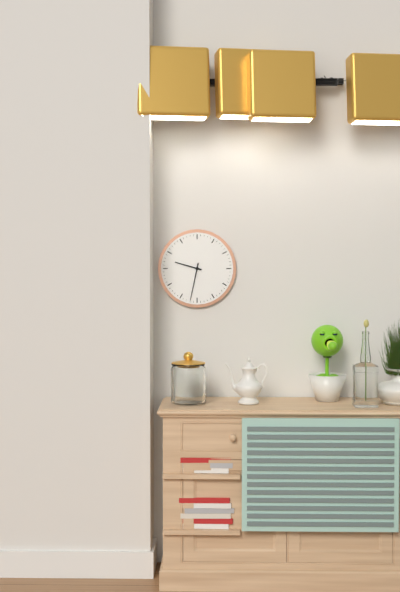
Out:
9.32
